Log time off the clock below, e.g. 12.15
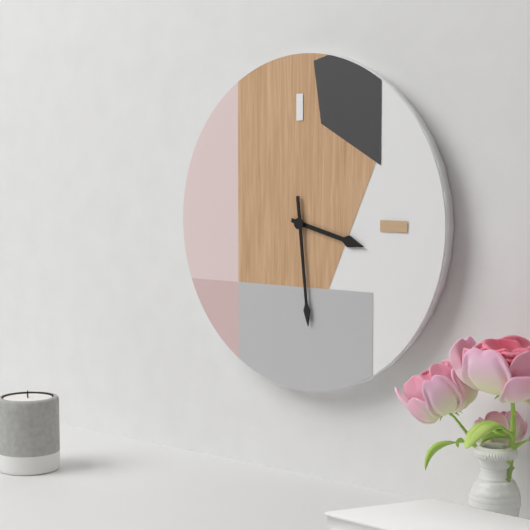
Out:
3.29
